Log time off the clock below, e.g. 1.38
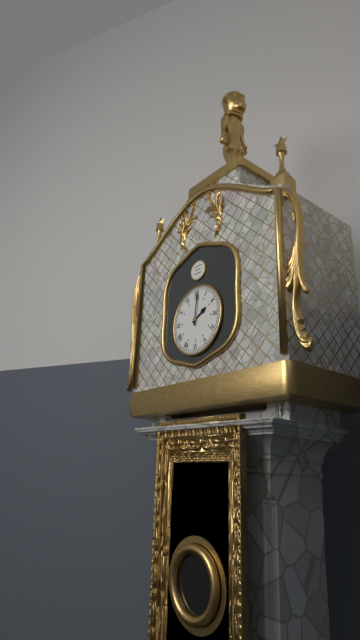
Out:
2.01
